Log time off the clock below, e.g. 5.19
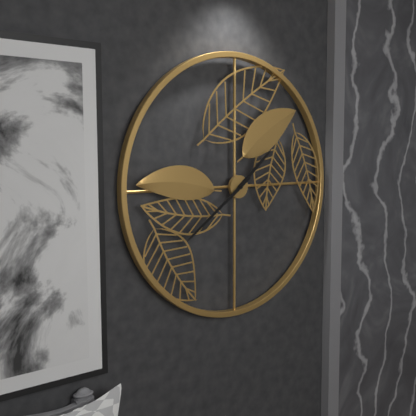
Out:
1.39
